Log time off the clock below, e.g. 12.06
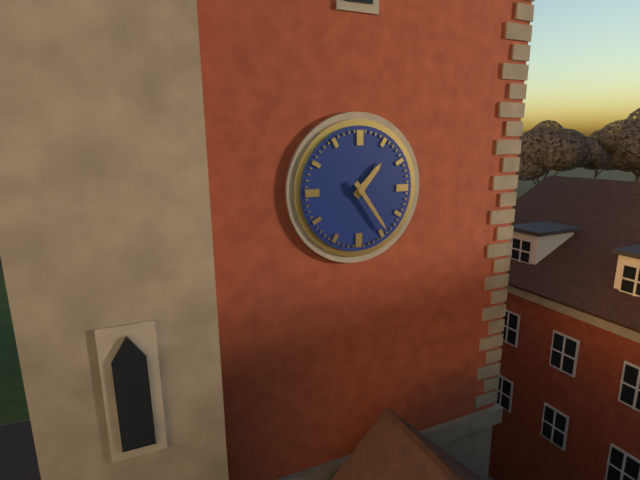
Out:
1.24
